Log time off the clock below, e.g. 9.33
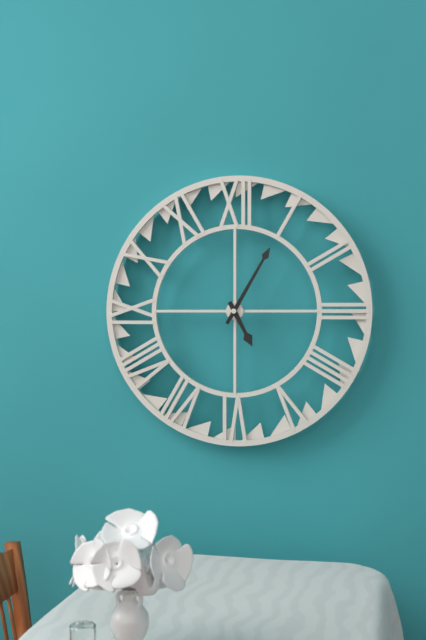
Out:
5.05
